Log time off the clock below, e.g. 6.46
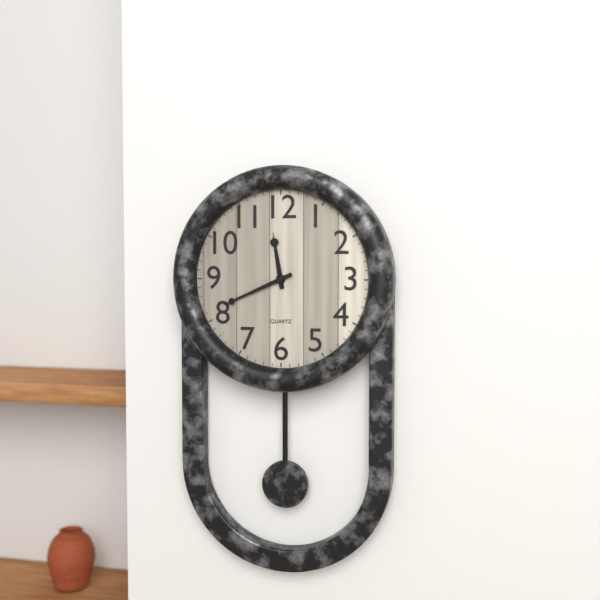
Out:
11.41
